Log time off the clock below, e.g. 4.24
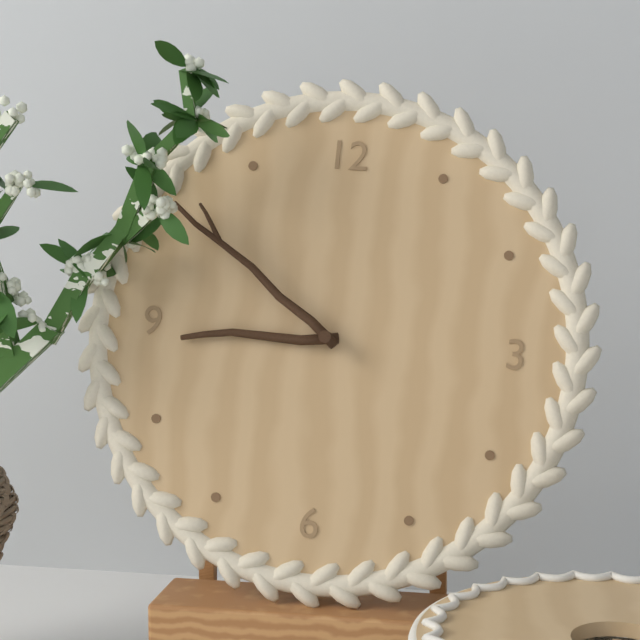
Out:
8.51
